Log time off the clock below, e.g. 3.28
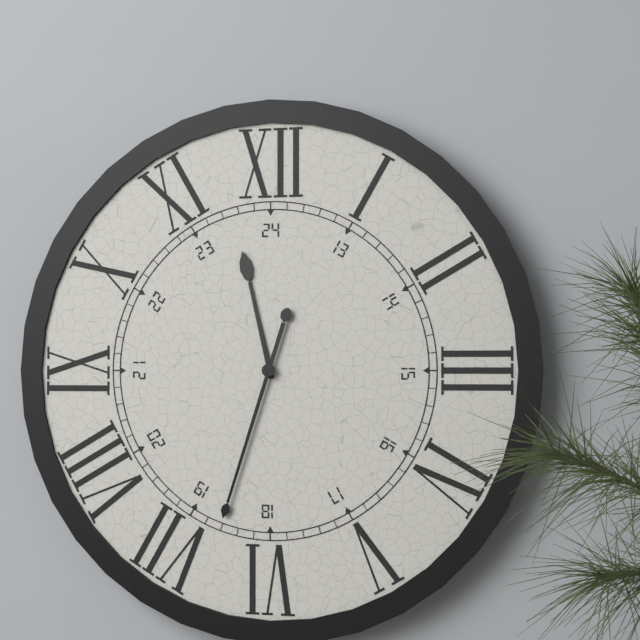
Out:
11.33
